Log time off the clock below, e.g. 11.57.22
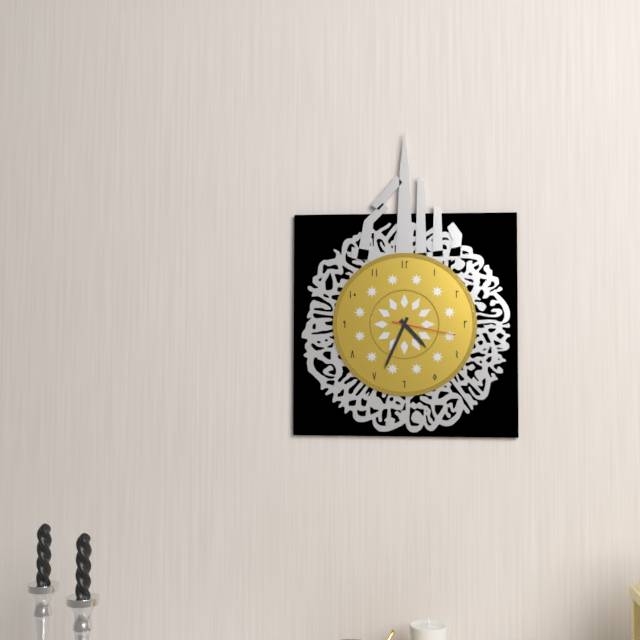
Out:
4.34.17
